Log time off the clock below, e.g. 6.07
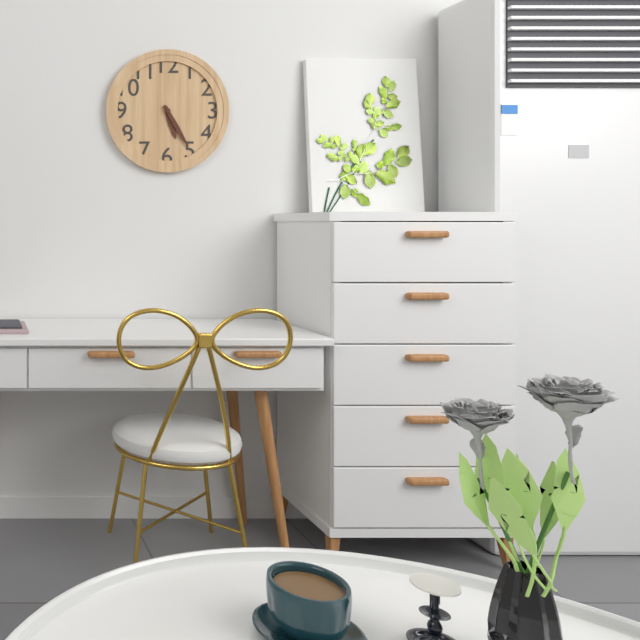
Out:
5.25
